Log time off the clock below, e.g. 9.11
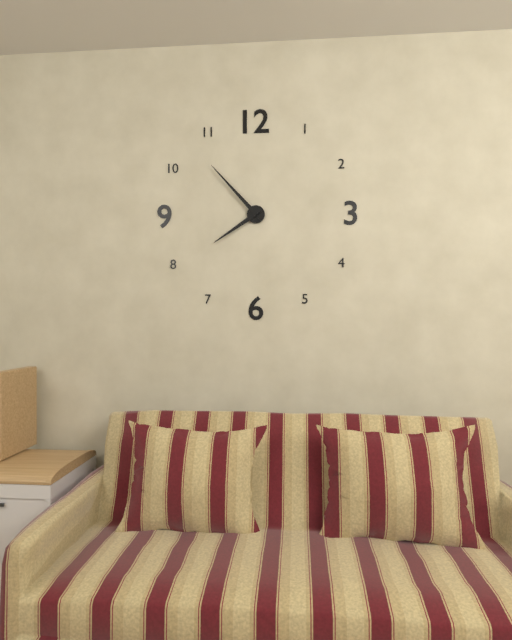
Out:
7.53
